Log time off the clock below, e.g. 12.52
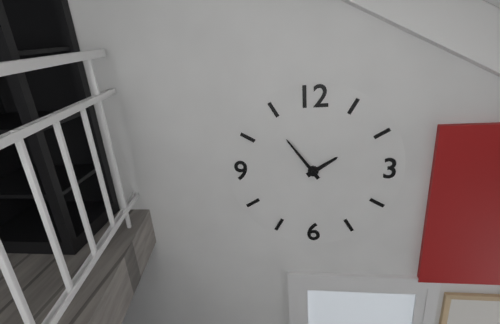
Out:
1.54
